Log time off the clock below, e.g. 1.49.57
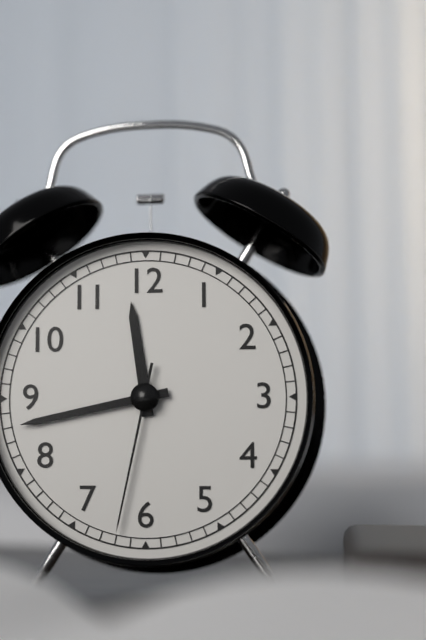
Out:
11.43.32
